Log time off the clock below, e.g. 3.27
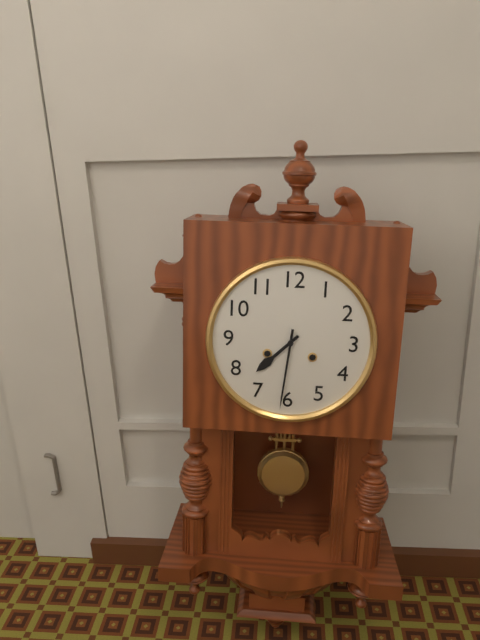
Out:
7.31
